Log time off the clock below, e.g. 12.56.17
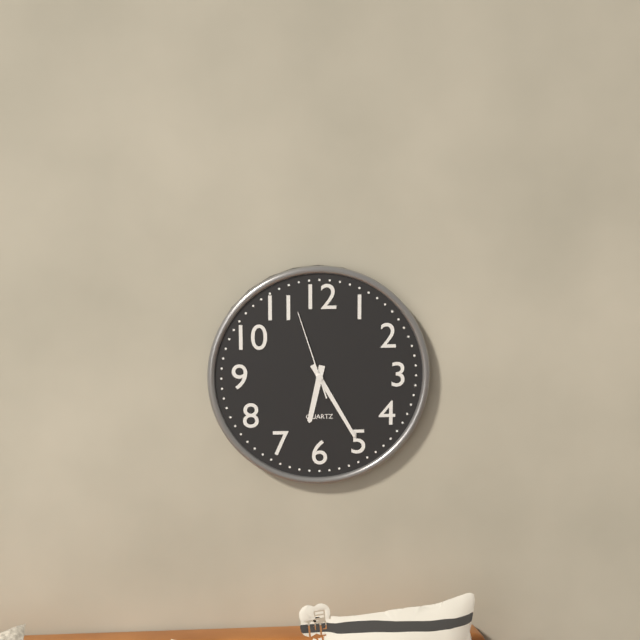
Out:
6.25.57
